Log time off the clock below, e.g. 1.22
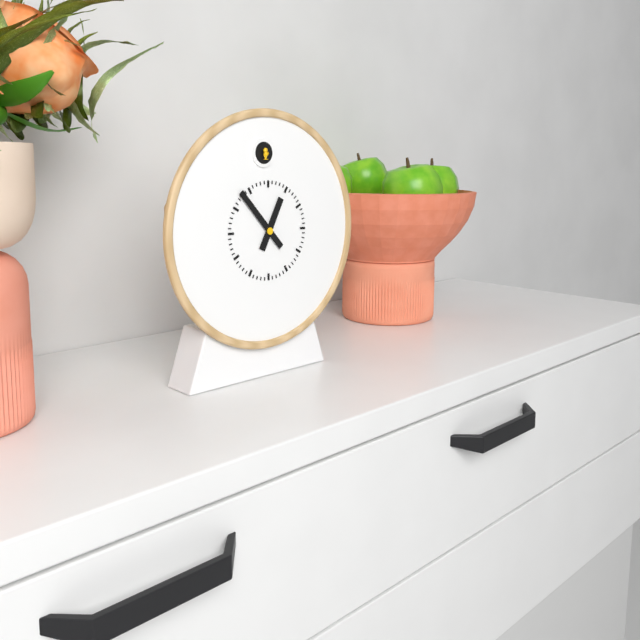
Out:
12.53
